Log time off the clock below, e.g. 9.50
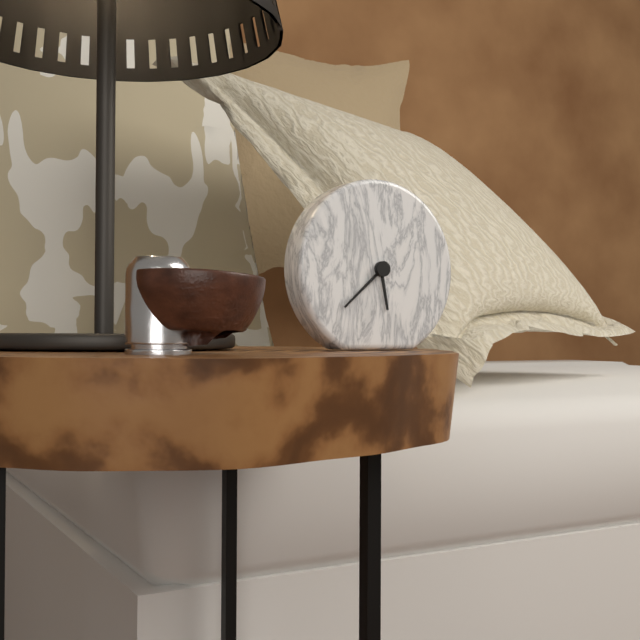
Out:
5.38
